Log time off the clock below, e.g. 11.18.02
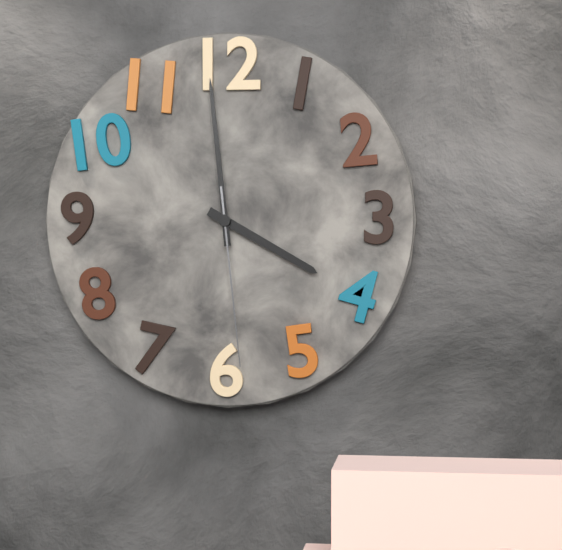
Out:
3.59.29
